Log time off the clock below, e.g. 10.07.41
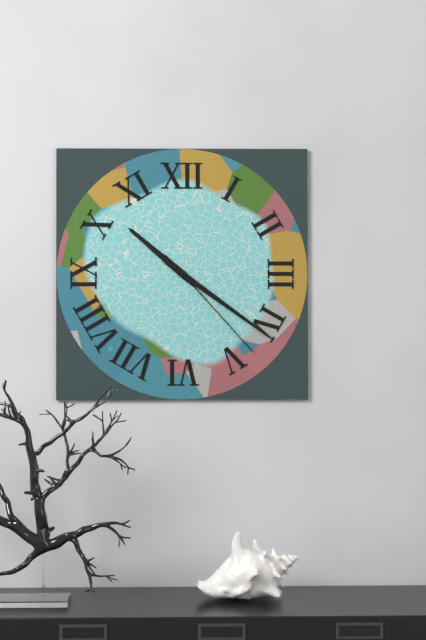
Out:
10.21.23
